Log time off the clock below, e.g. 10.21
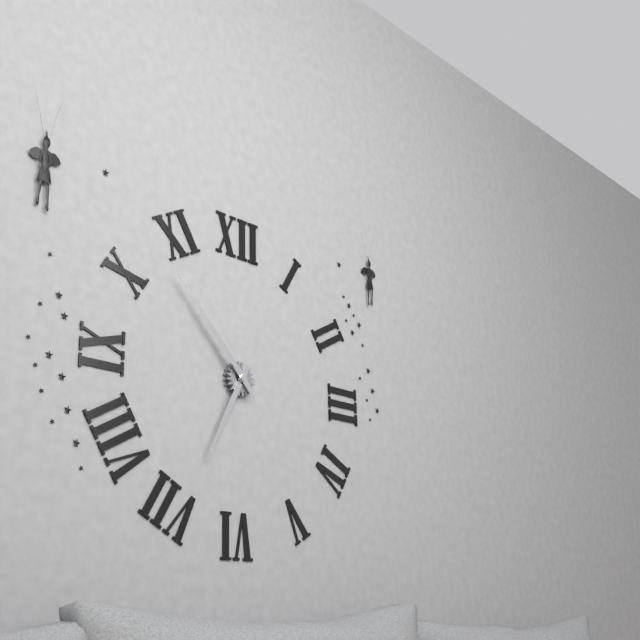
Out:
6.53
